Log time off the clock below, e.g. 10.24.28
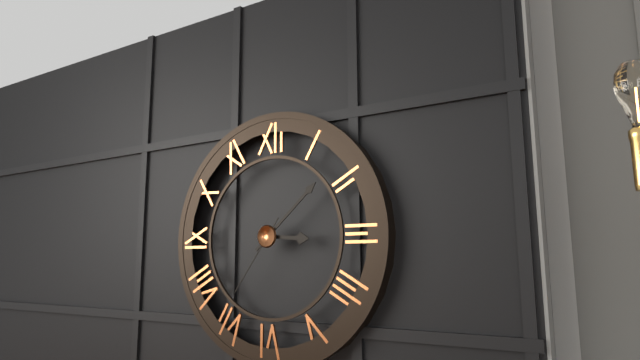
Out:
3.08.36
